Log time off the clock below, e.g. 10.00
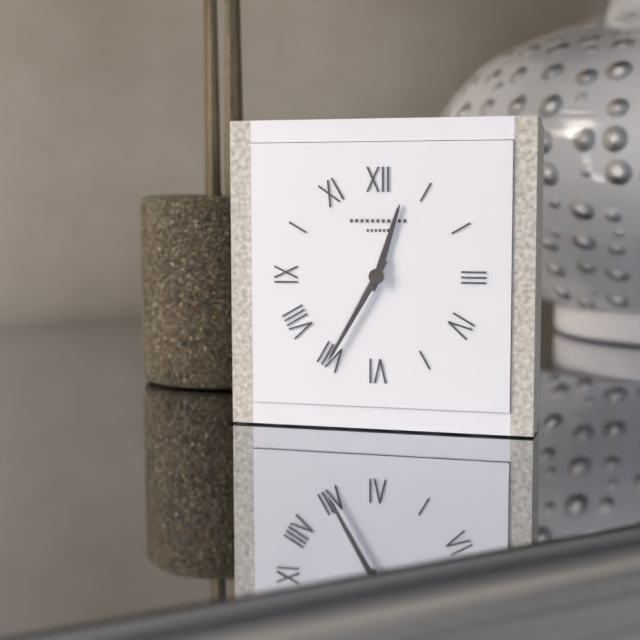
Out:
12.35
